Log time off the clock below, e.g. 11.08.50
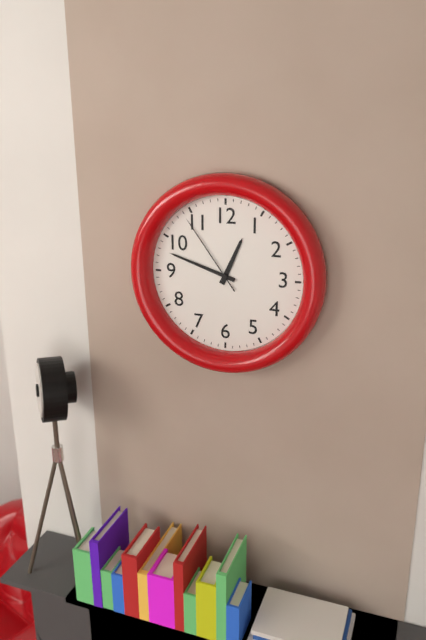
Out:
12.48.54
